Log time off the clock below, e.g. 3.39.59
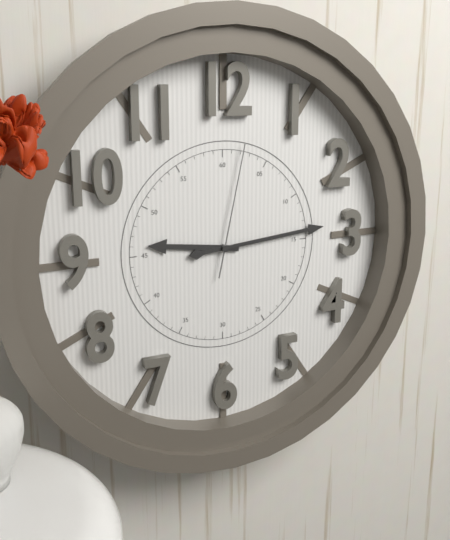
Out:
9.14.02
